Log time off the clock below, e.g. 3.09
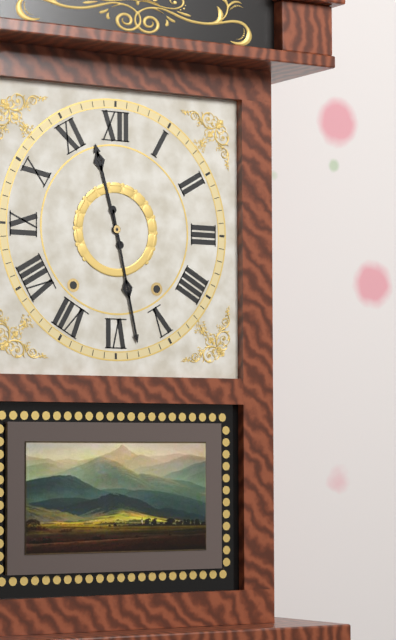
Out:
11.28
